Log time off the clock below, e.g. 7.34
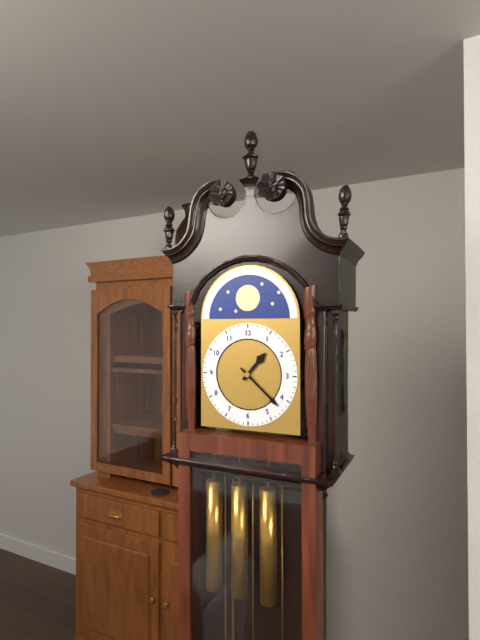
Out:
1.22
